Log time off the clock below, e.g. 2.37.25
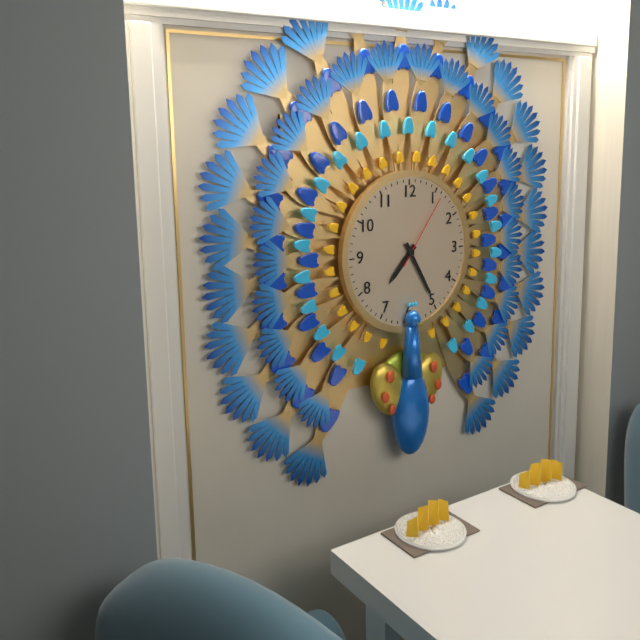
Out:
7.25.06
